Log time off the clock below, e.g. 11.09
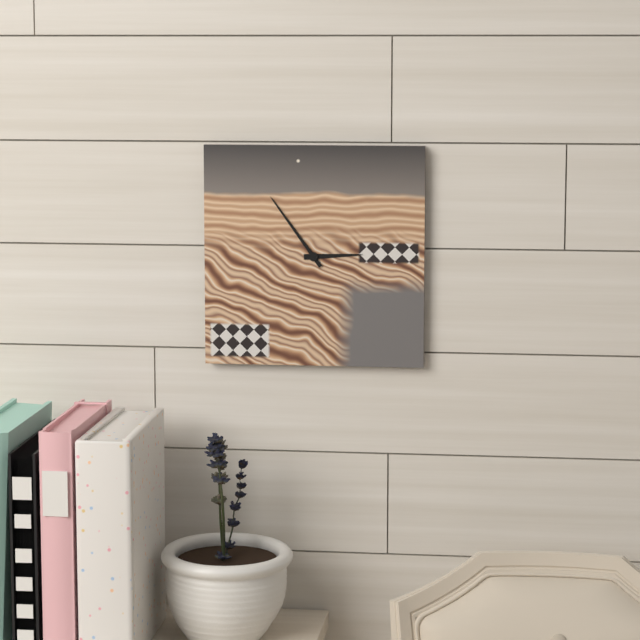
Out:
2.54
